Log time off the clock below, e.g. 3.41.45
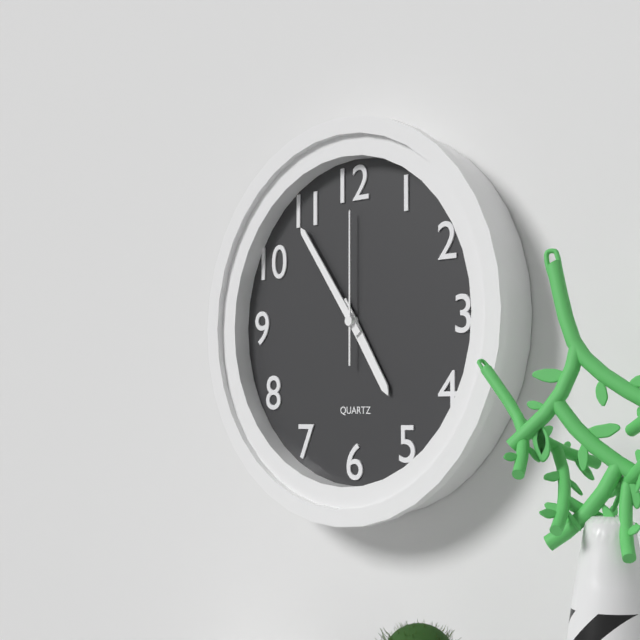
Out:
4.54.00
